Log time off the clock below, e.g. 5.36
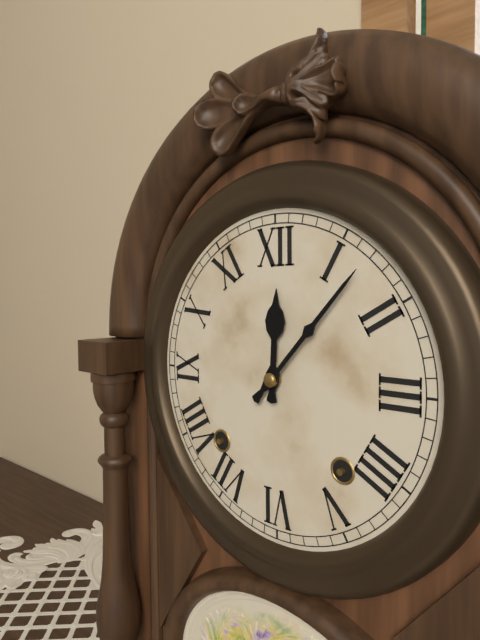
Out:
12.07
